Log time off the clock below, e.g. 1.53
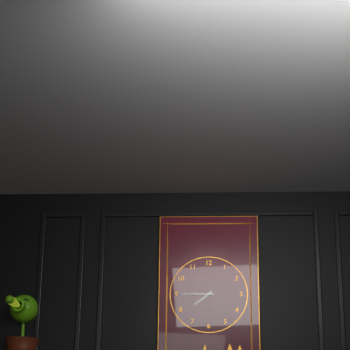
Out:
7.45
